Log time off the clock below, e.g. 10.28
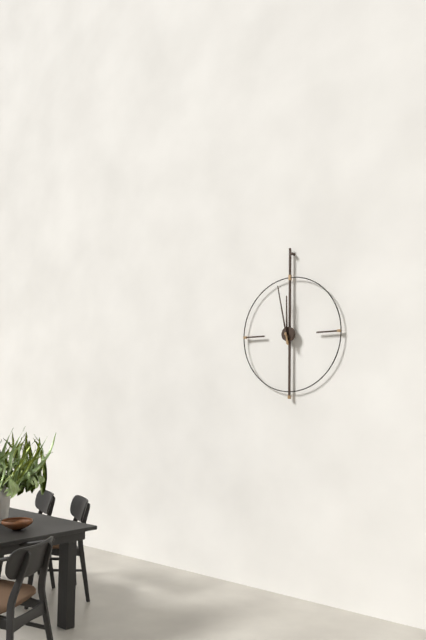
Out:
11.58
